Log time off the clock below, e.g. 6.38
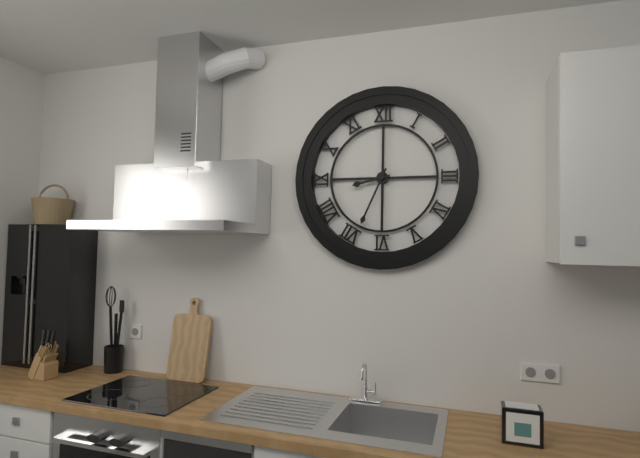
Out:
8.34
